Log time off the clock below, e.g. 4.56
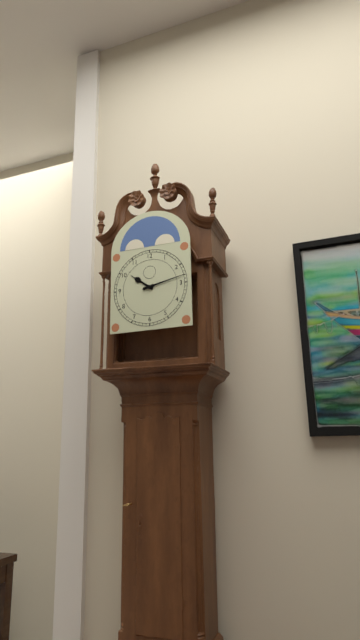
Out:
10.13
